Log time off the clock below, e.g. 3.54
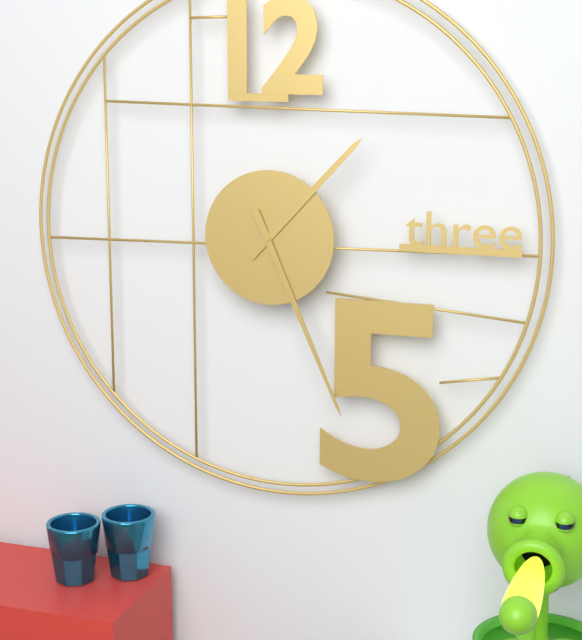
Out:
1.26
